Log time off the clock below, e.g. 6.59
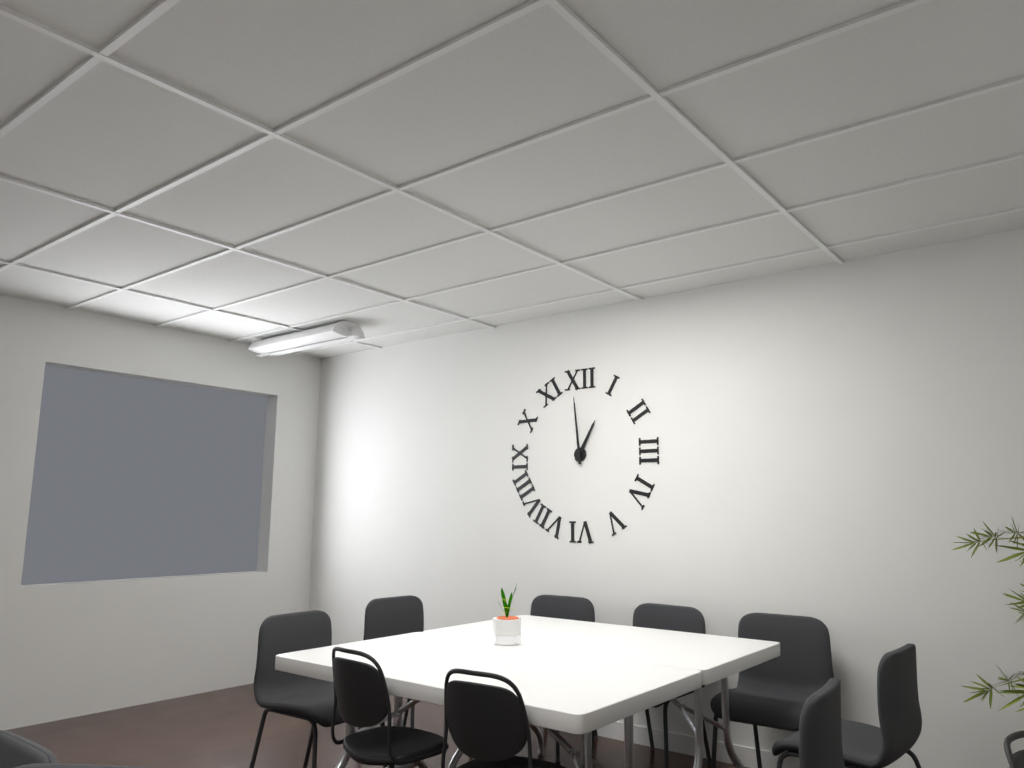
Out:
12.59
